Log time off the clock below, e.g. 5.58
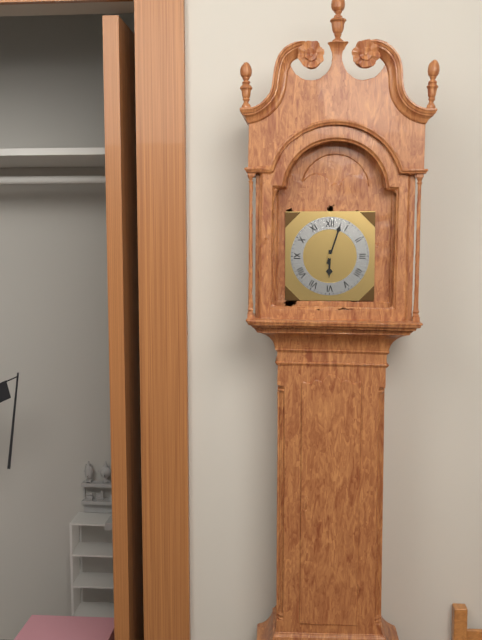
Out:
6.03
